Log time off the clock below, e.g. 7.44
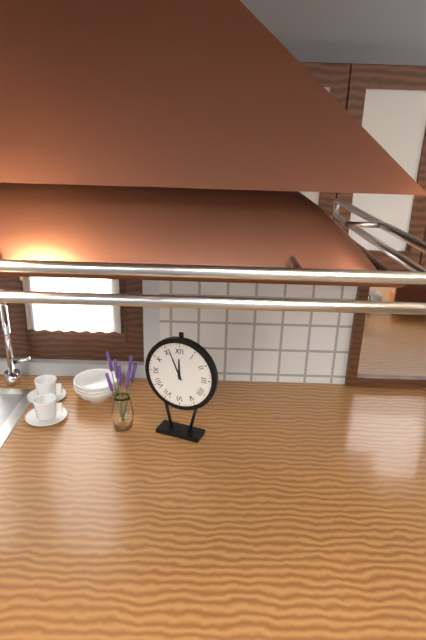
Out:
11.56
